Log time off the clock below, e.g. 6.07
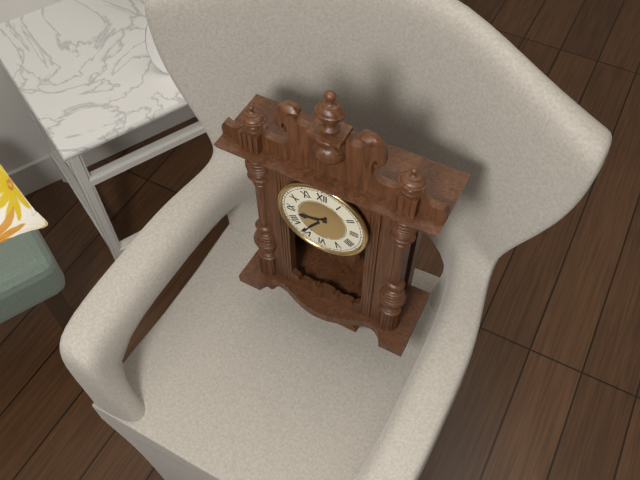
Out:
8.36
